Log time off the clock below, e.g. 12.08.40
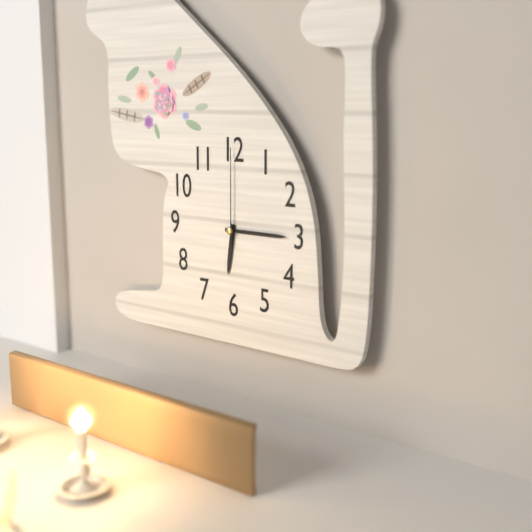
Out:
6.15.00
